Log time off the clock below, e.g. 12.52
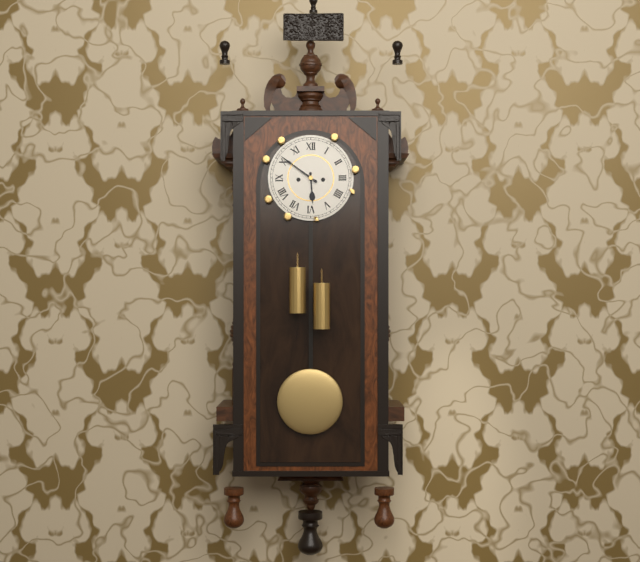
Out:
5.51
